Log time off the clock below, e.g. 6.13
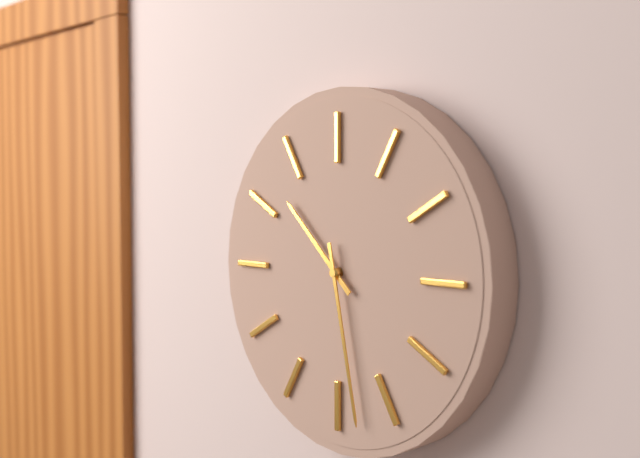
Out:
10.28
